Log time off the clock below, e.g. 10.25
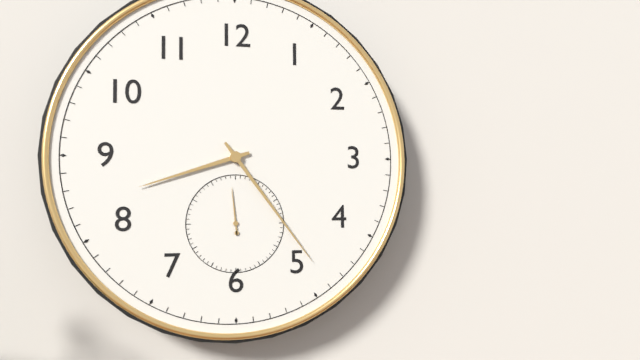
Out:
8.24
